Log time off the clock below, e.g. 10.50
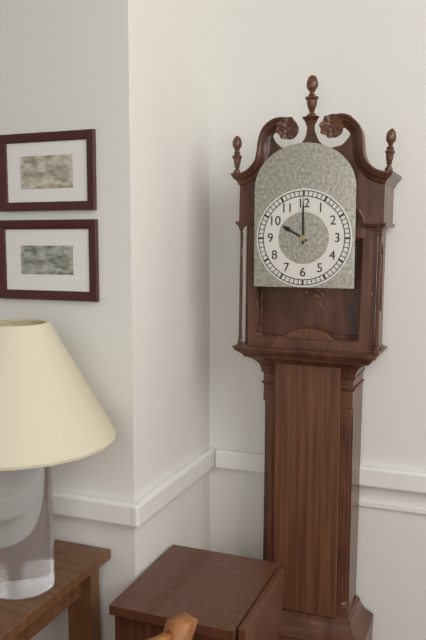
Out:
10.00
